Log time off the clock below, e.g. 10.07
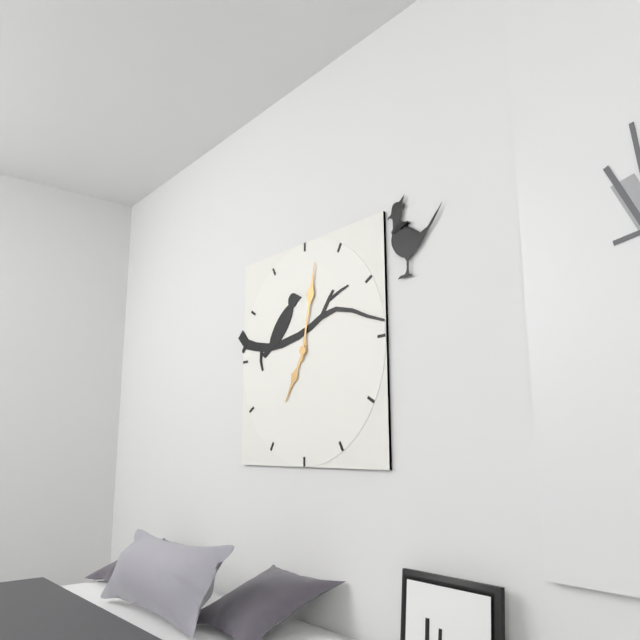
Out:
7.02
